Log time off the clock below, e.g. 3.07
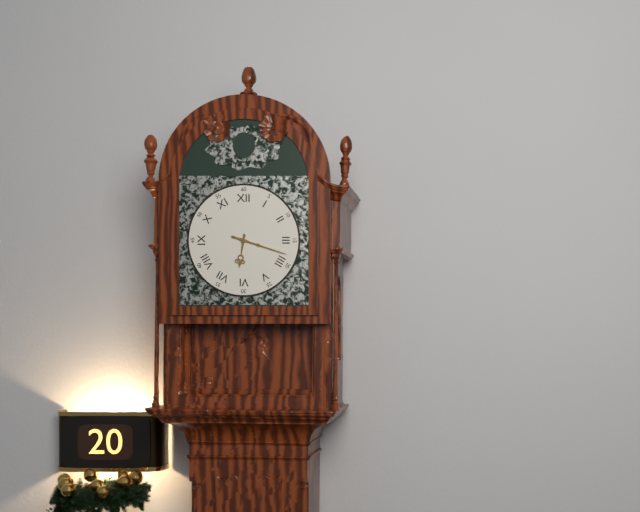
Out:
6.18
